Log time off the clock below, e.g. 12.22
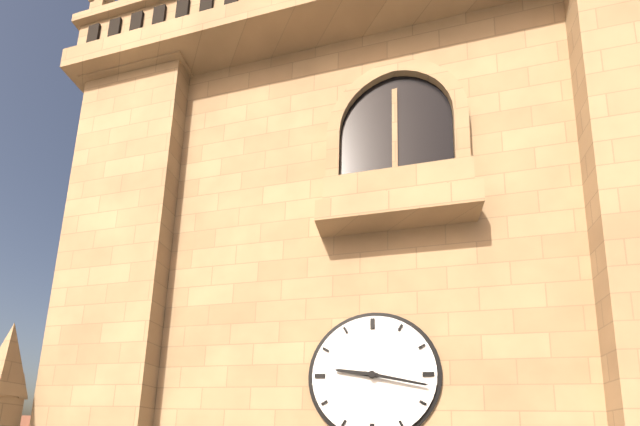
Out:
9.17
